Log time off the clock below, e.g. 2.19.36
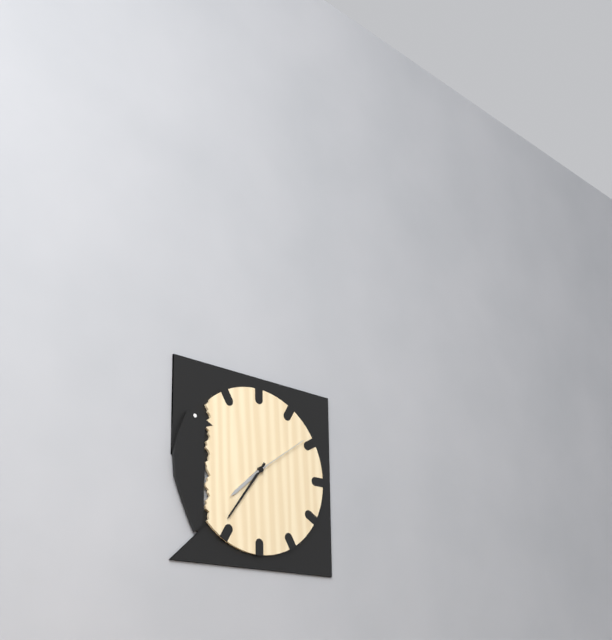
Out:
7.36.09
